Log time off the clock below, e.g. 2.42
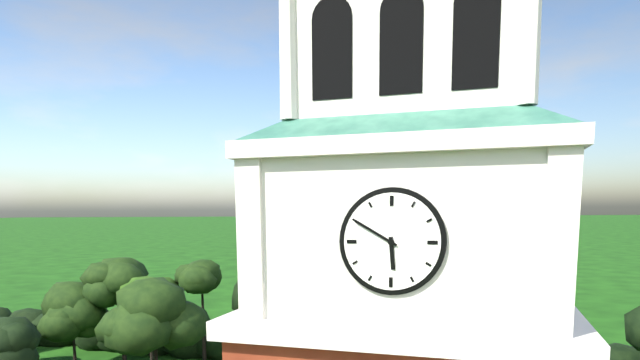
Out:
5.50
